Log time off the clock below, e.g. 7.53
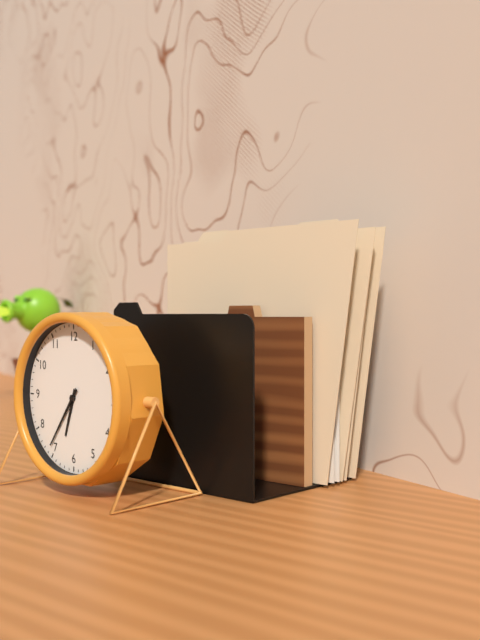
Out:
6.36
